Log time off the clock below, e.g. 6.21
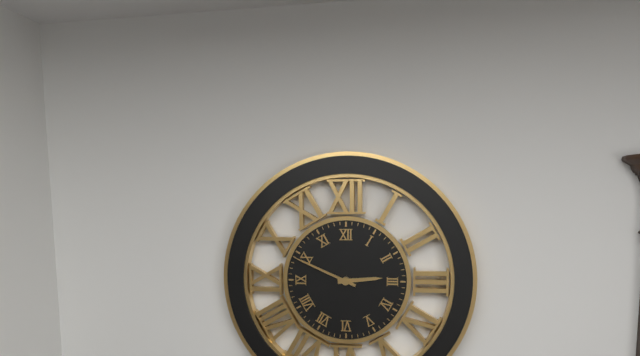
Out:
2.49
